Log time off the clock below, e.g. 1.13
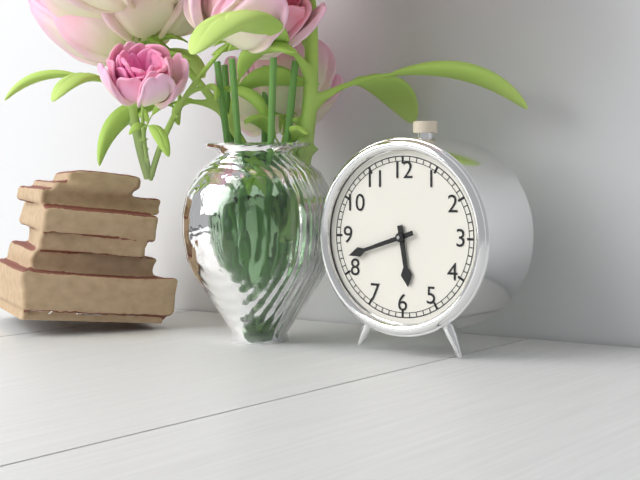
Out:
5.42
